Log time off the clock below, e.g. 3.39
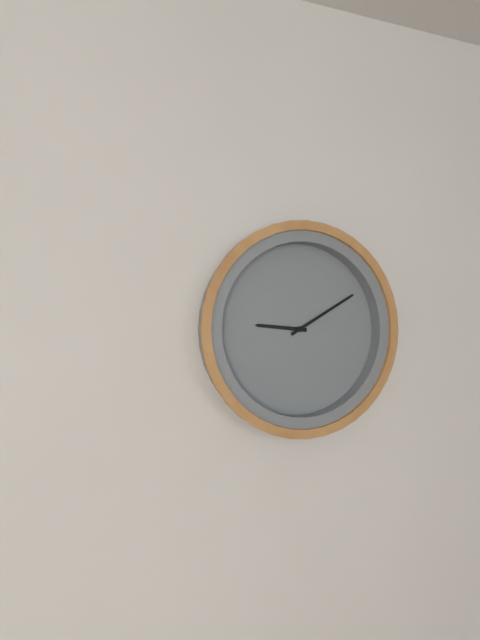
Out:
9.10
